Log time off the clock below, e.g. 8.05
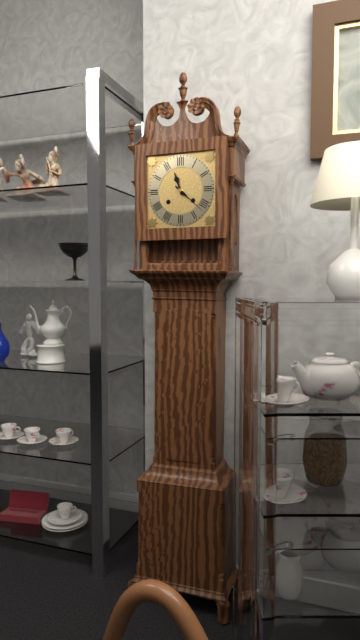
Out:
11.22
